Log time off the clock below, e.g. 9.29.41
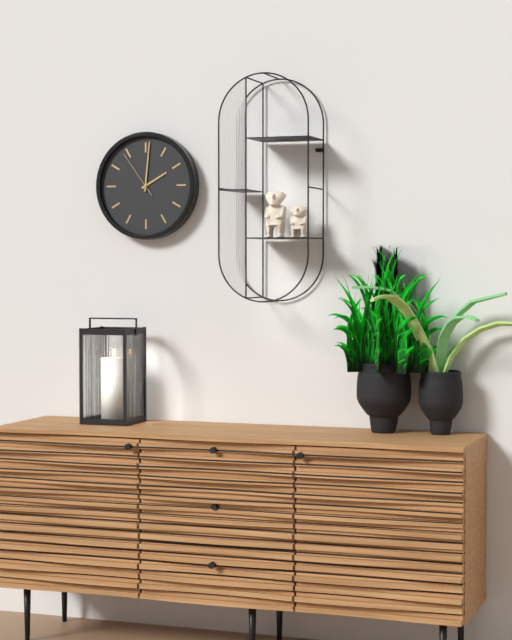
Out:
2.01.54
